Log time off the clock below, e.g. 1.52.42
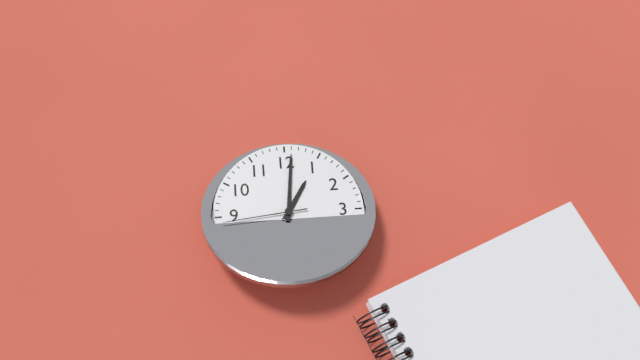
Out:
1.01.44
